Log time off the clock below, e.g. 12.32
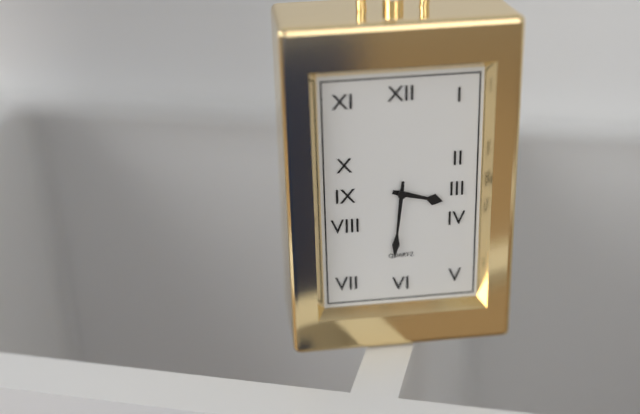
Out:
3.31
